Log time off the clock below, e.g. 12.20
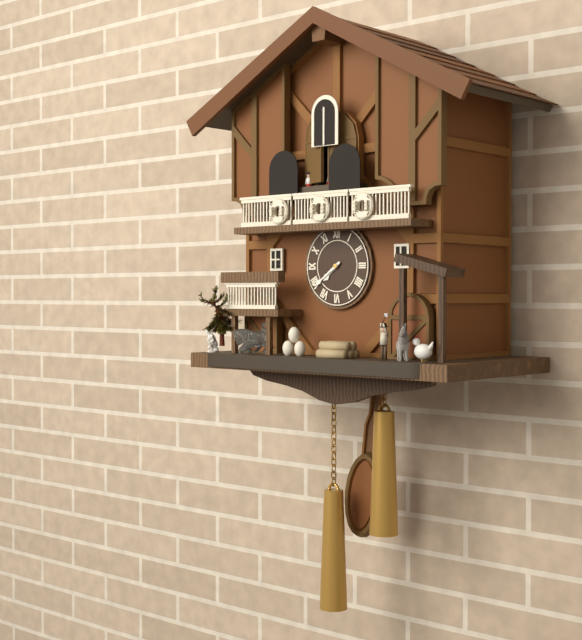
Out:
7.39
